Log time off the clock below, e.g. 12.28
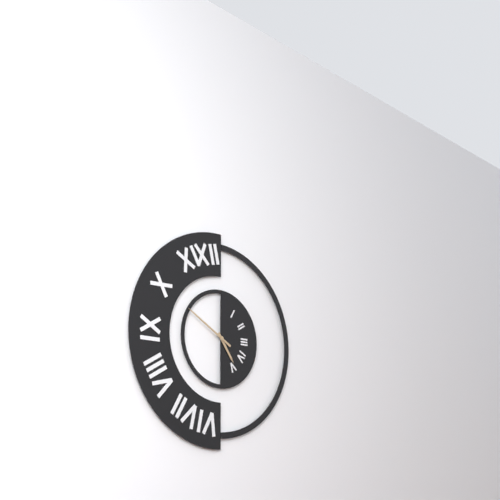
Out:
4.50
